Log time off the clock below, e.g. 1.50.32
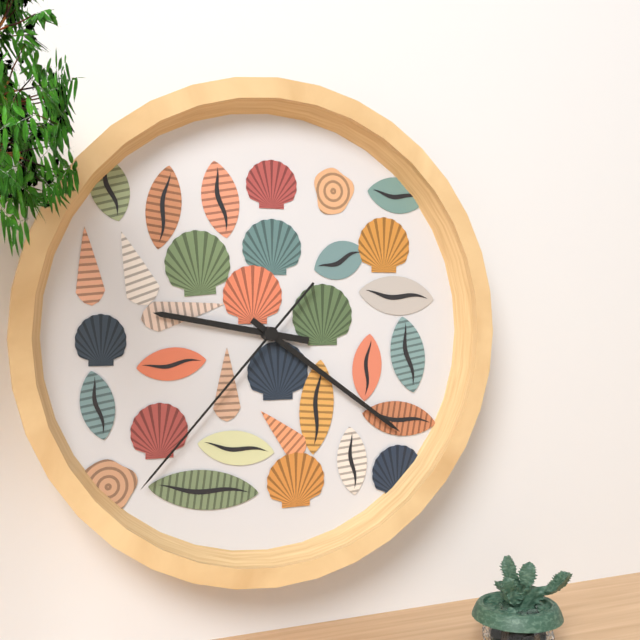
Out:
9.21.37
